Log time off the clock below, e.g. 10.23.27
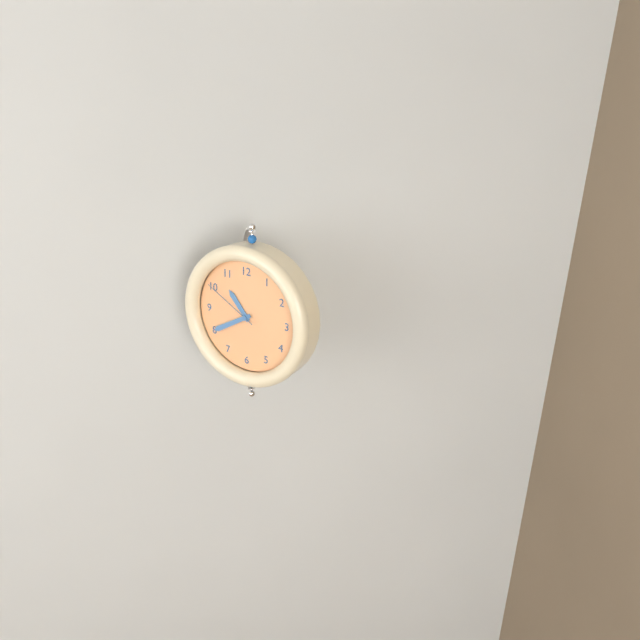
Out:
10.40.50
